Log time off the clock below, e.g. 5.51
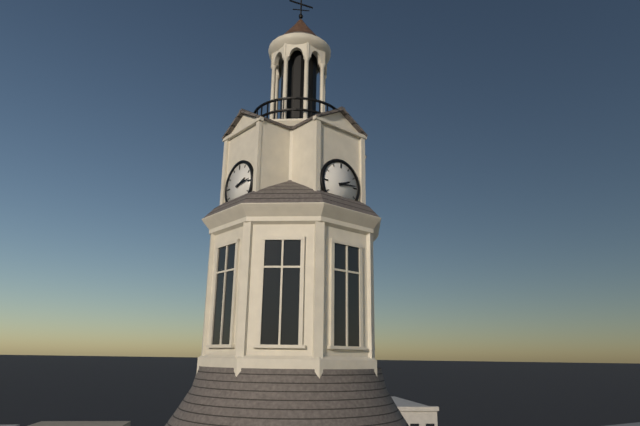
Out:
2.14
